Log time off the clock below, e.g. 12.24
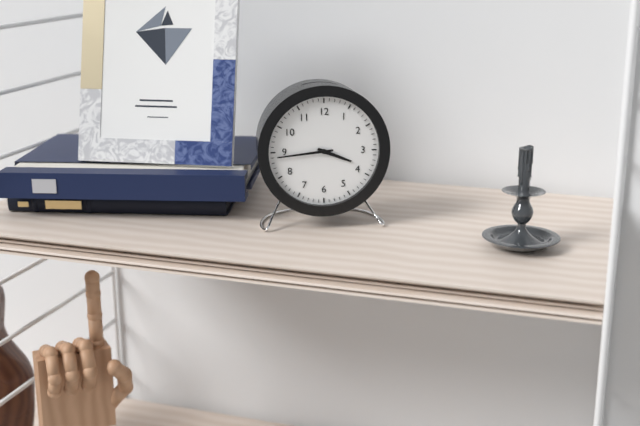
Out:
3.44
